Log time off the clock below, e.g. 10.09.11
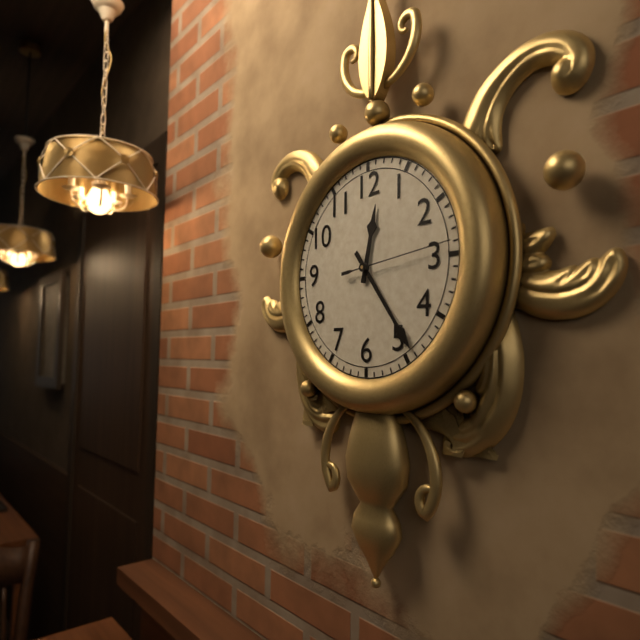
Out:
12.24.14
